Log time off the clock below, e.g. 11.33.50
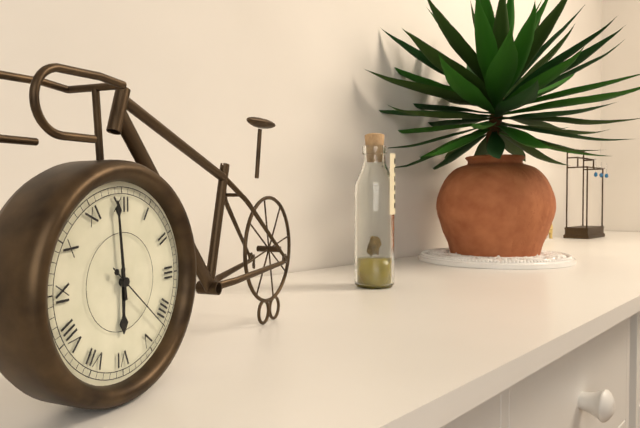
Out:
5.59.22
